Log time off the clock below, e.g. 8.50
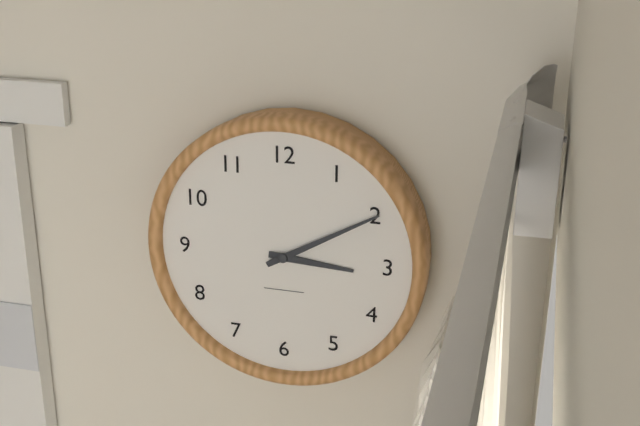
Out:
3.10
